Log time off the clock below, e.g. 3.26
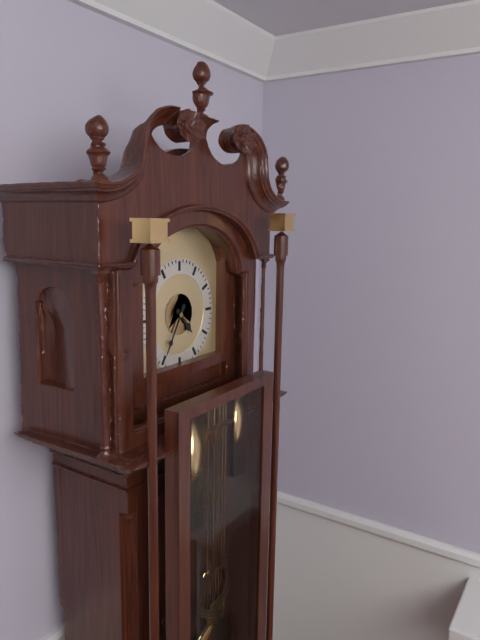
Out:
4.35
